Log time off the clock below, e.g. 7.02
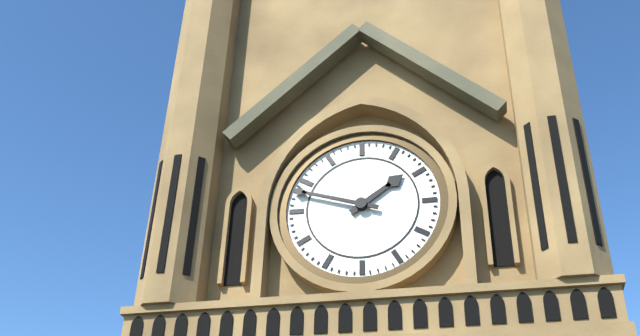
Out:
1.48
